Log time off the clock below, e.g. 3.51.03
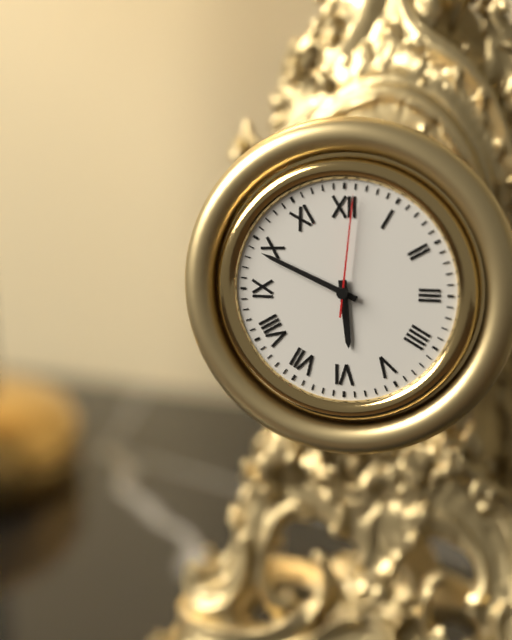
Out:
5.49.01
